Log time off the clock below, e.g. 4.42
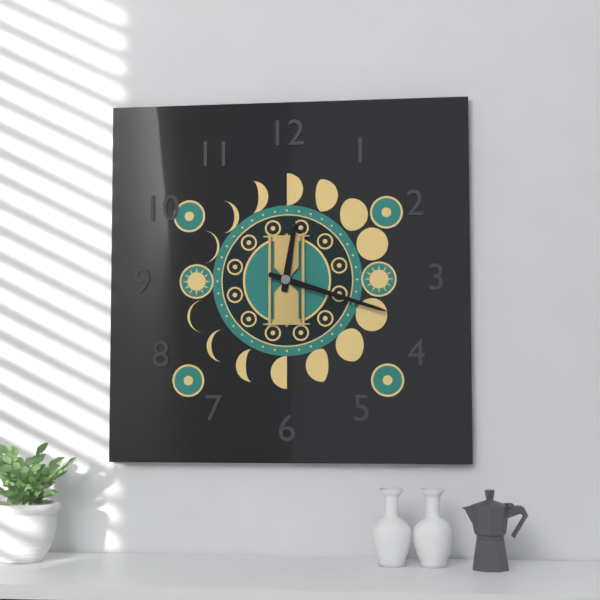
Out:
12.18
